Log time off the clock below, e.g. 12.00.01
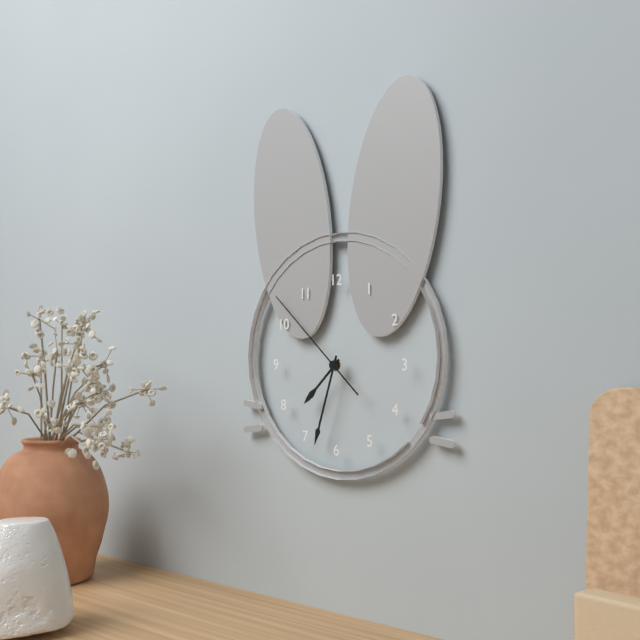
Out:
7.33.52
